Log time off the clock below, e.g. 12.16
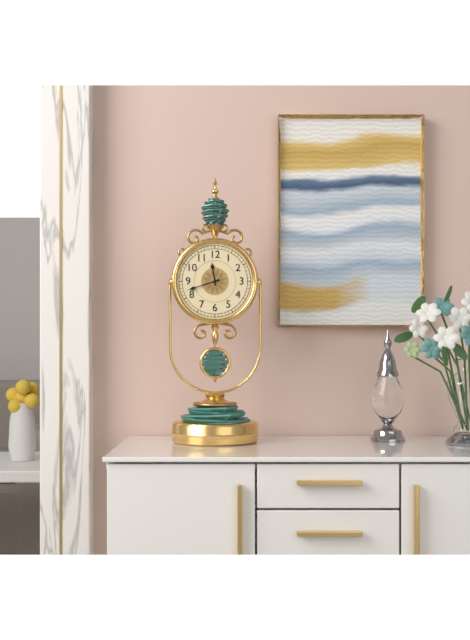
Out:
11.42
